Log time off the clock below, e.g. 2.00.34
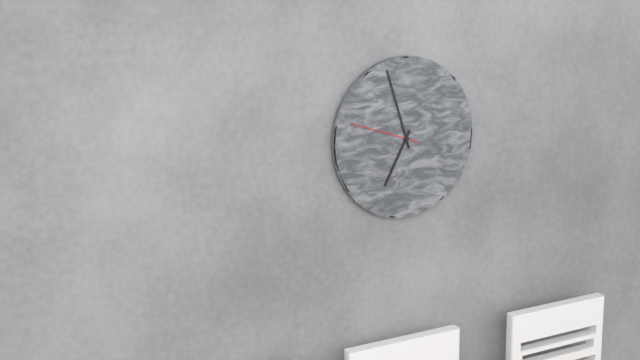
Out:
6.57.48
